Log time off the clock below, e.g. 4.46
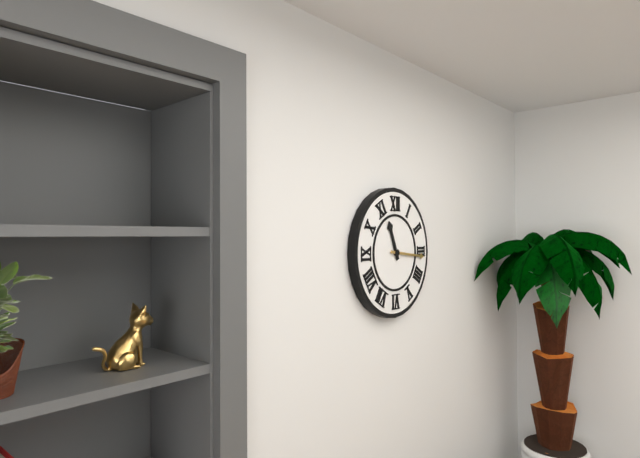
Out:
11.16
